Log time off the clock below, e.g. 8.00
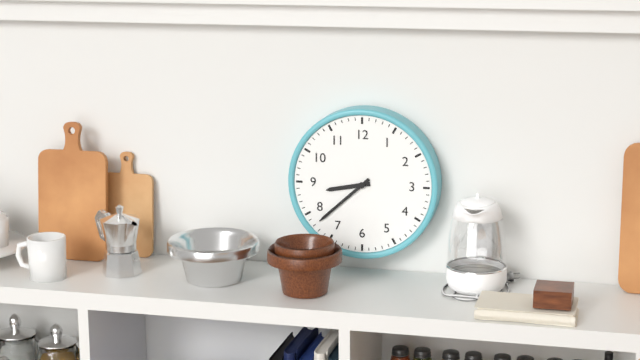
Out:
8.38
